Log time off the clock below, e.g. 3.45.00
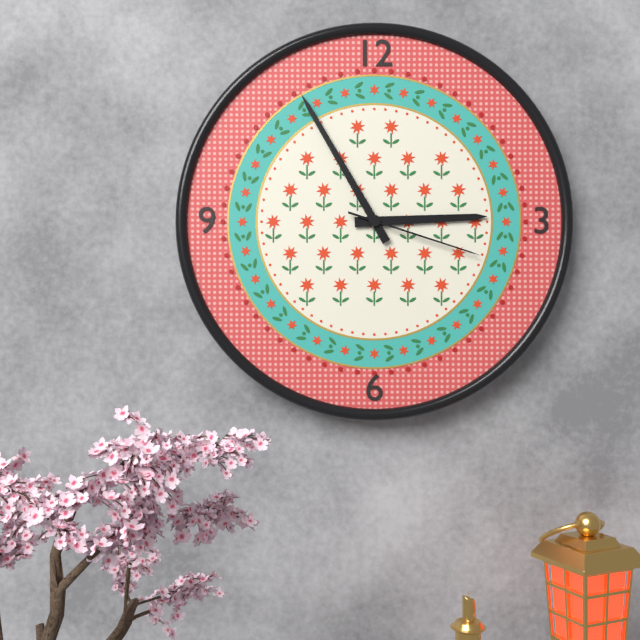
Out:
2.55.18
